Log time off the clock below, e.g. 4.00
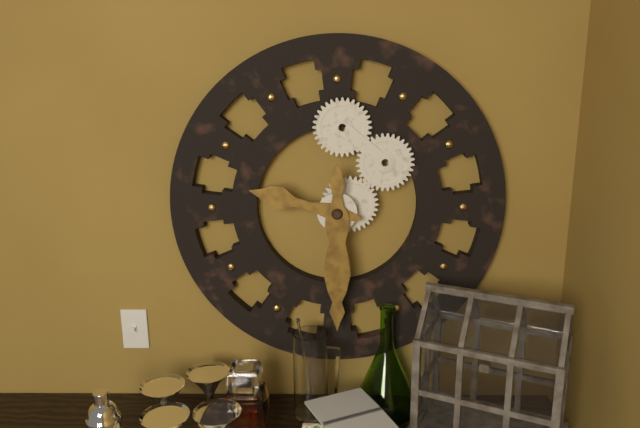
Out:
9.30
